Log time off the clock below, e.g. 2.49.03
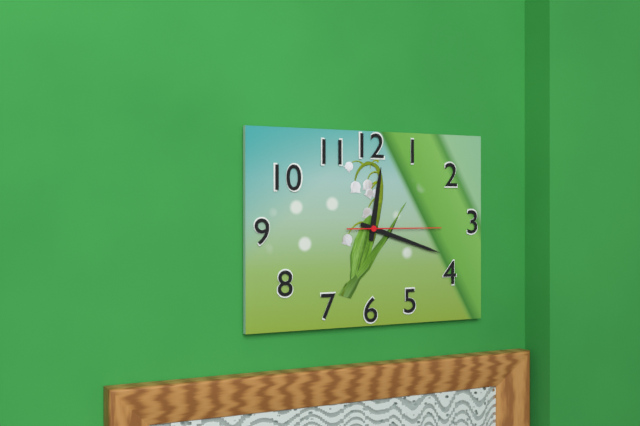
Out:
12.18.15
